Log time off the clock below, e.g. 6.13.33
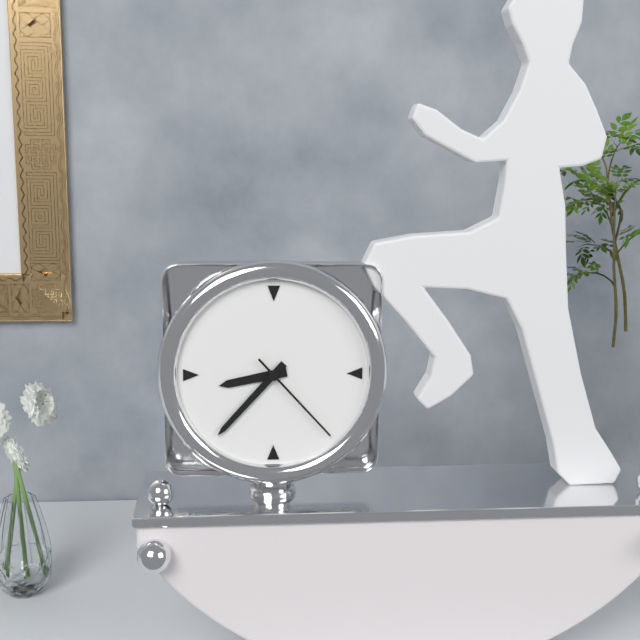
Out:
8.37.23
